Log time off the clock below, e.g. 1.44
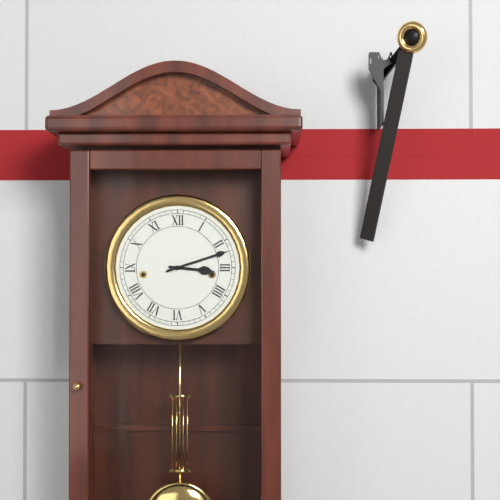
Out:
3.12
